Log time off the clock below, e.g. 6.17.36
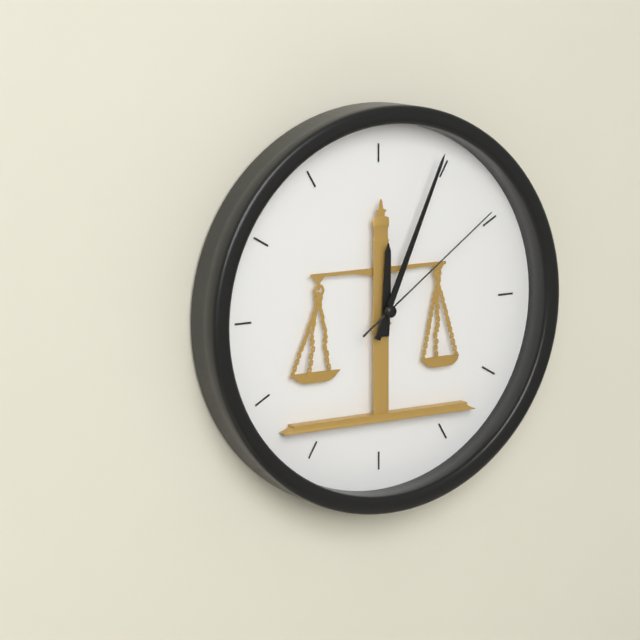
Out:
12.04.09
